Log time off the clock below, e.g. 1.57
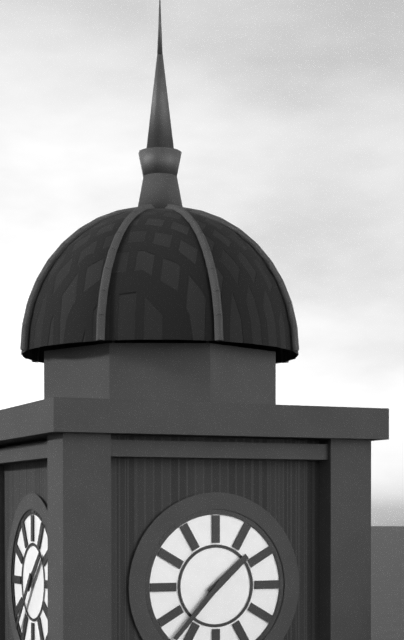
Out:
1.37
